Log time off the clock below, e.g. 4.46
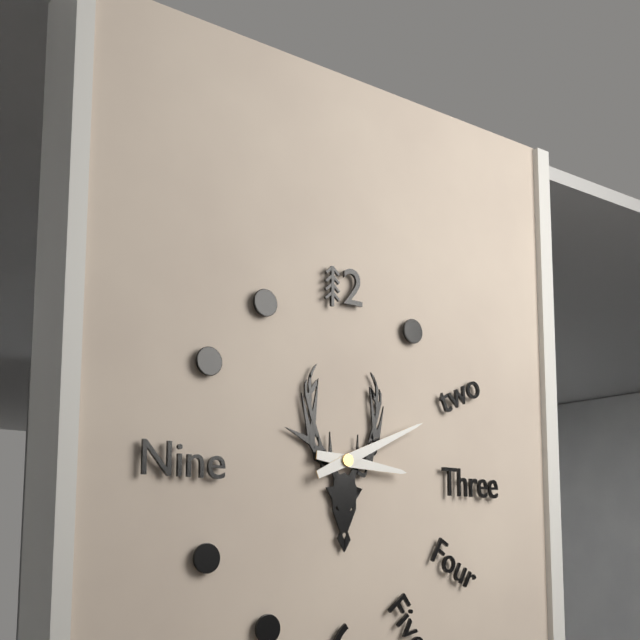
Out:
3.11
